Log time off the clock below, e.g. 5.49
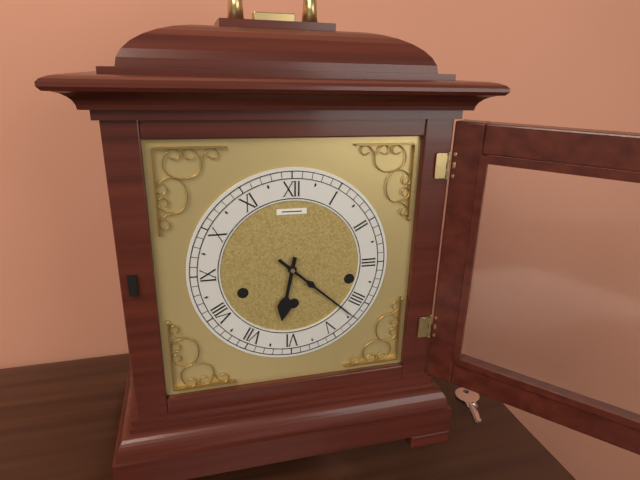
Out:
6.22
